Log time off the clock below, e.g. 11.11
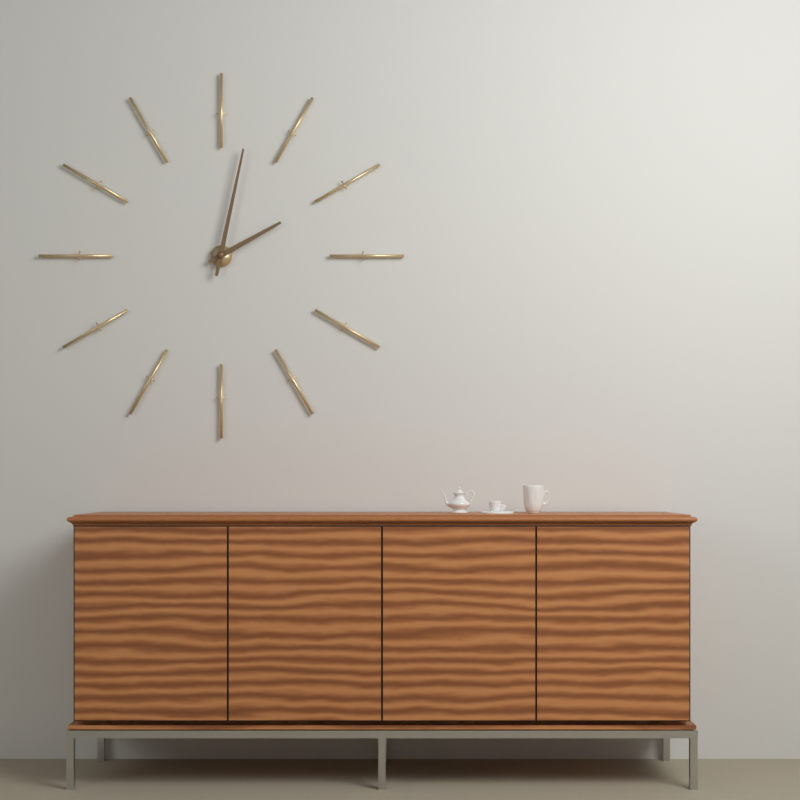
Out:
2.02
